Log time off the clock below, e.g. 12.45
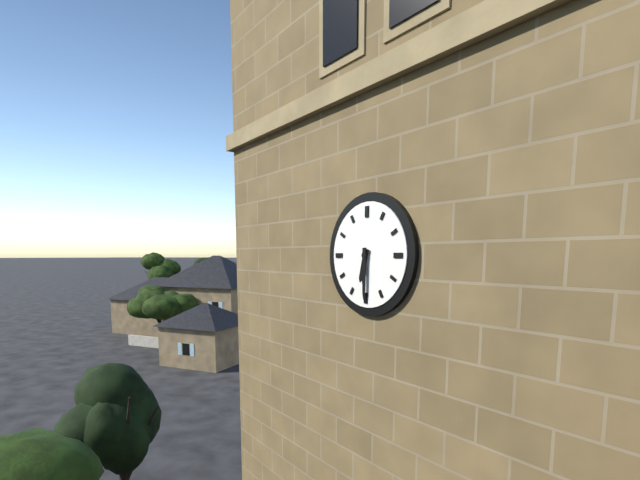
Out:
6.30
